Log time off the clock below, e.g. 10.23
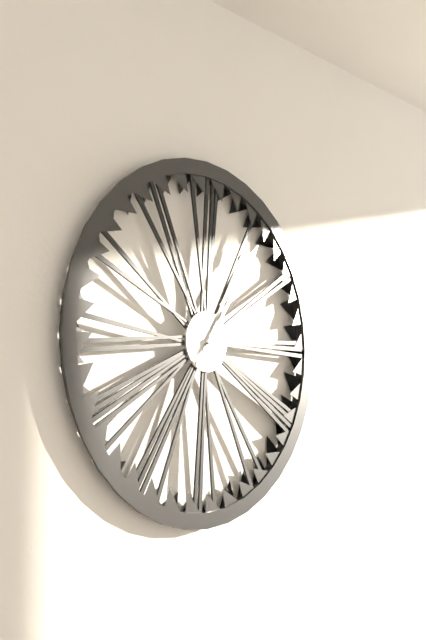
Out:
1.06
